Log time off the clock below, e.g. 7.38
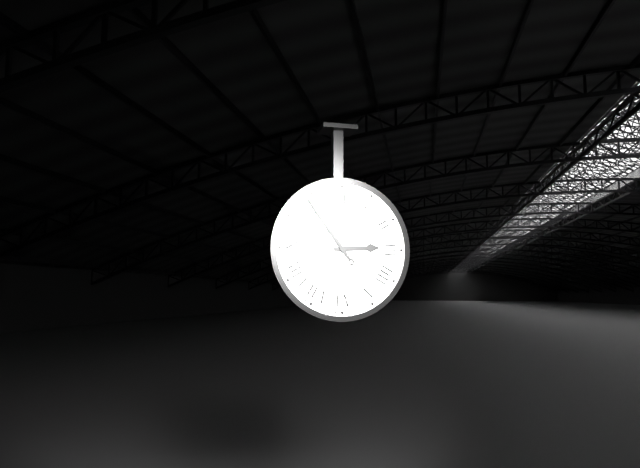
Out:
2.54
